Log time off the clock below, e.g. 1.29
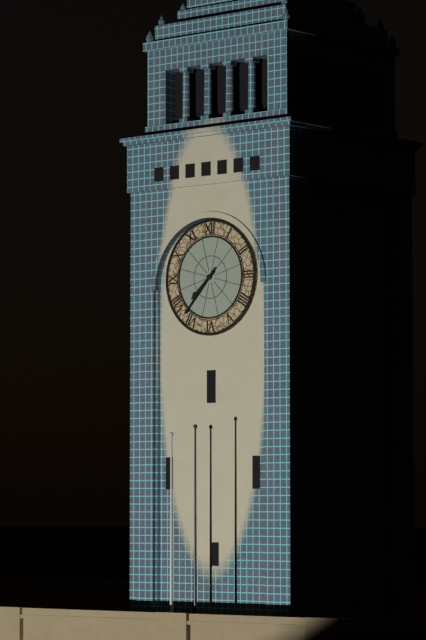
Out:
7.37
